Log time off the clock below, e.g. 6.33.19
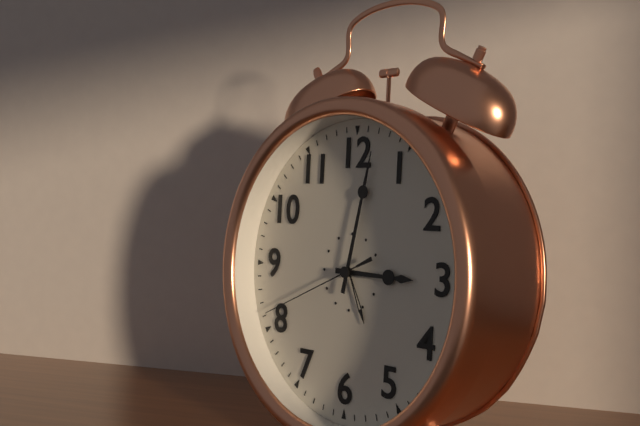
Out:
3.02.41
